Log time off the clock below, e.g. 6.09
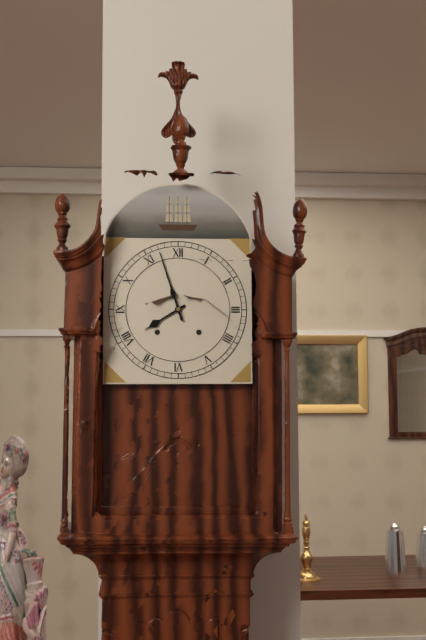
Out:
7.57
